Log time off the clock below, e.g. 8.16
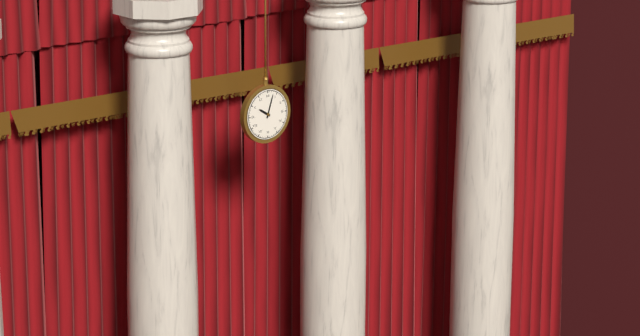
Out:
10.03
